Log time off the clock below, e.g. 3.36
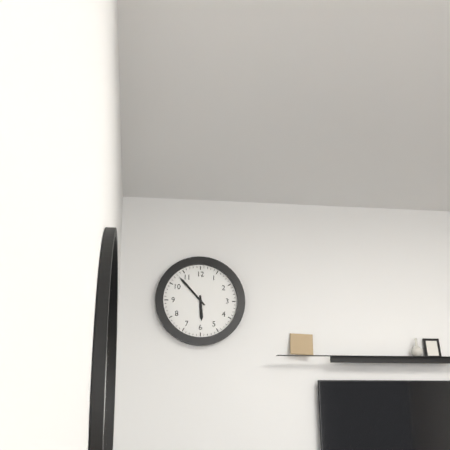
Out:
5.53
